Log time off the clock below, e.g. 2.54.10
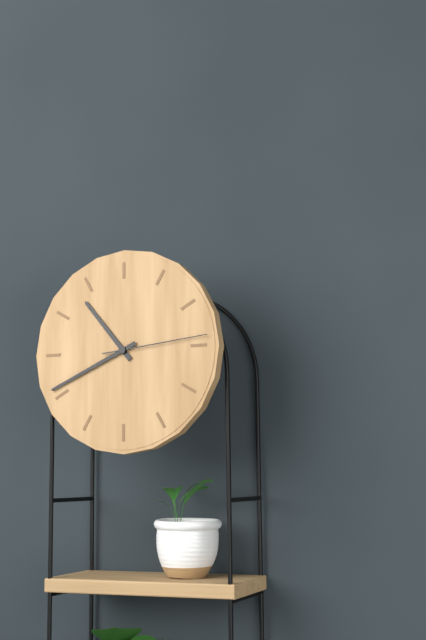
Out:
10.41.14
